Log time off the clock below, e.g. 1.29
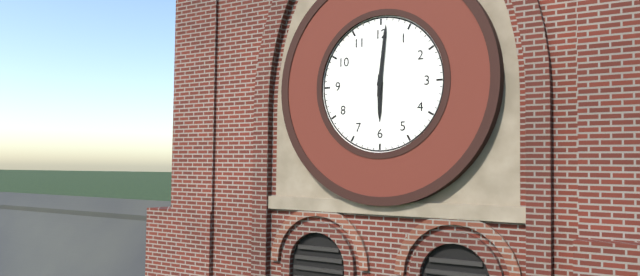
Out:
6.01
